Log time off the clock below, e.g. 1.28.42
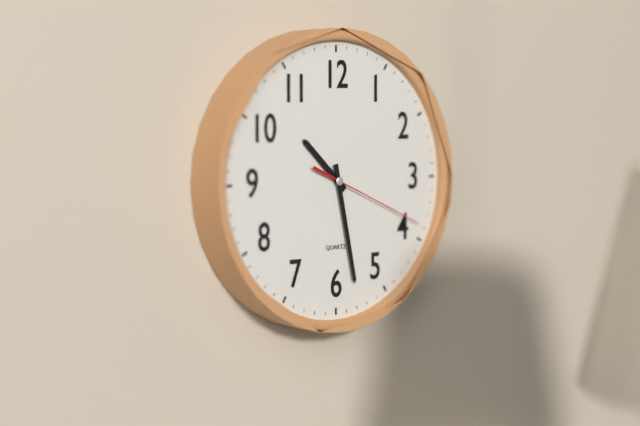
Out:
10.28.19
